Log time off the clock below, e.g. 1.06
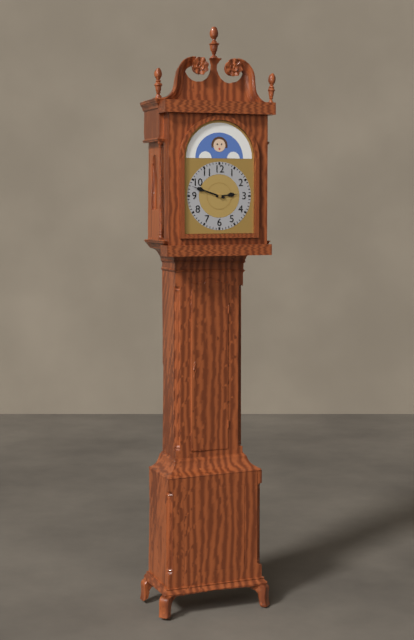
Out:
2.48
